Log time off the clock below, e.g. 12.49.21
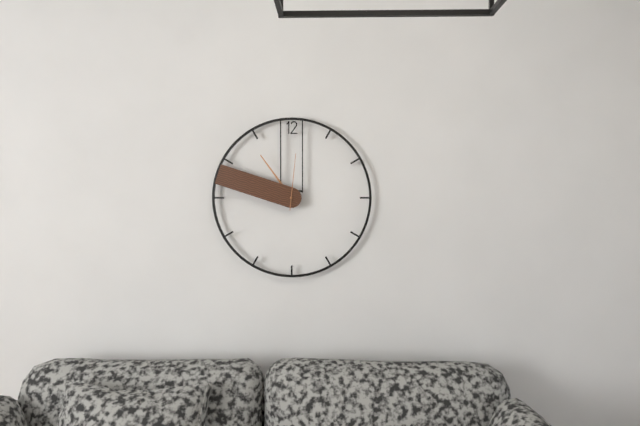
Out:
10.48.01
